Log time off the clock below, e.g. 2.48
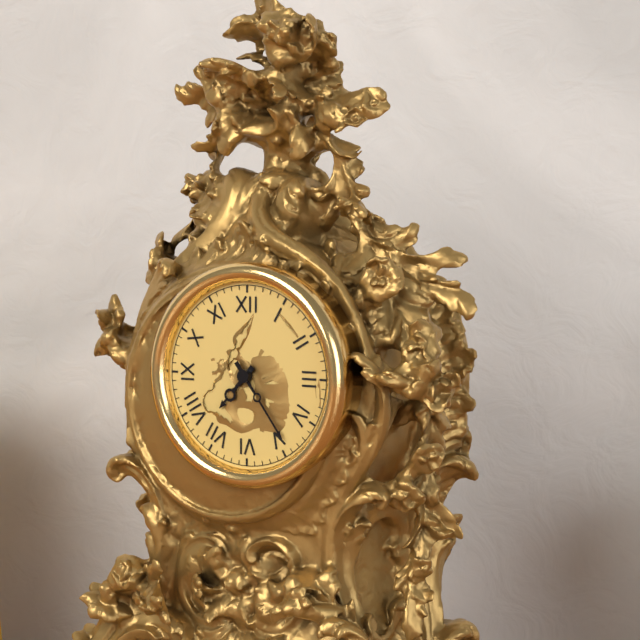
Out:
7.24
